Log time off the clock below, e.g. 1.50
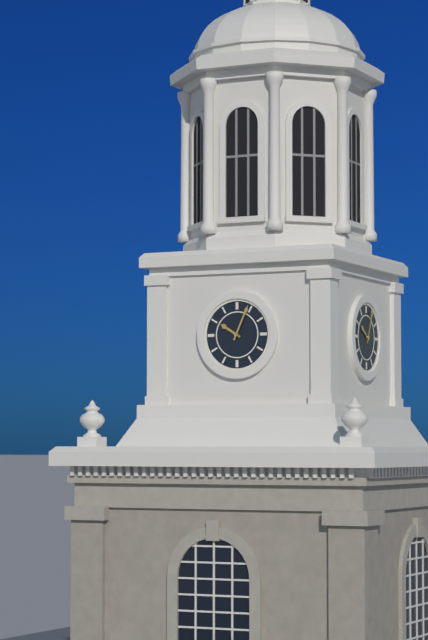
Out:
10.04
